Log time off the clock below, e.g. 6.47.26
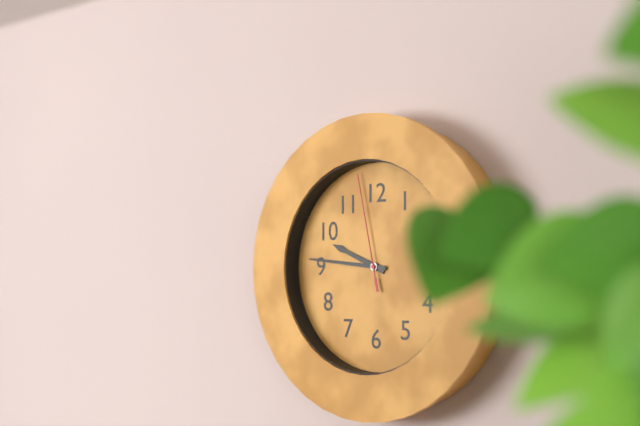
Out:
9.46.58
